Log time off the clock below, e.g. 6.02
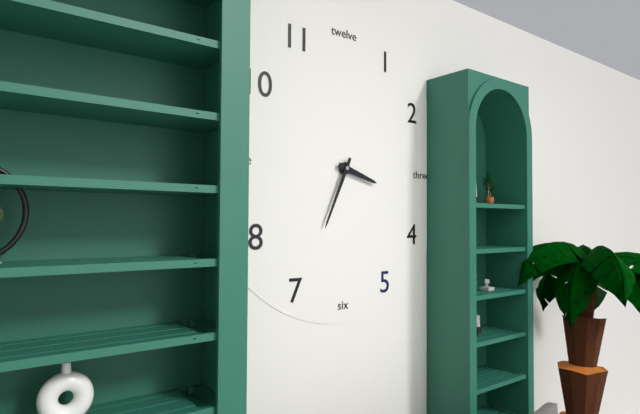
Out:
3.34
